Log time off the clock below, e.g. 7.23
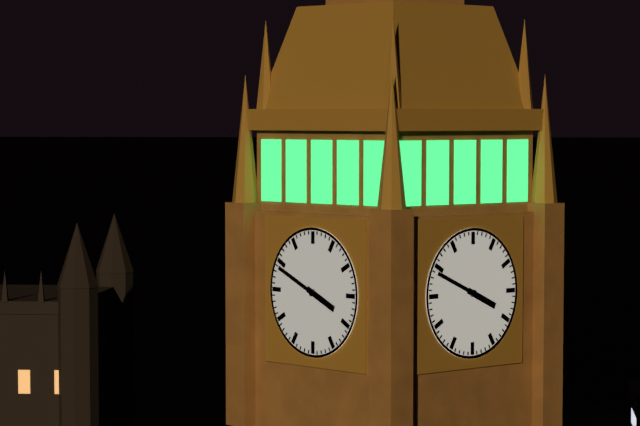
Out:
3.49
